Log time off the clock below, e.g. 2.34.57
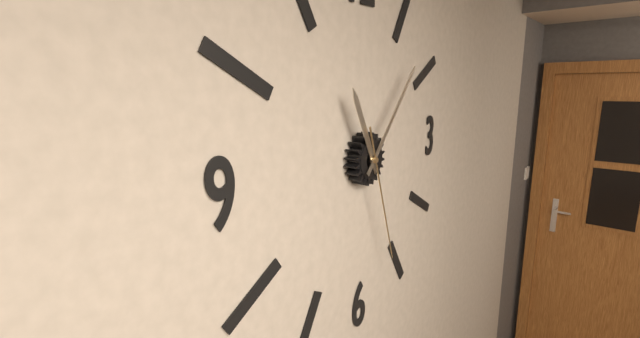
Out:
11.07.27
